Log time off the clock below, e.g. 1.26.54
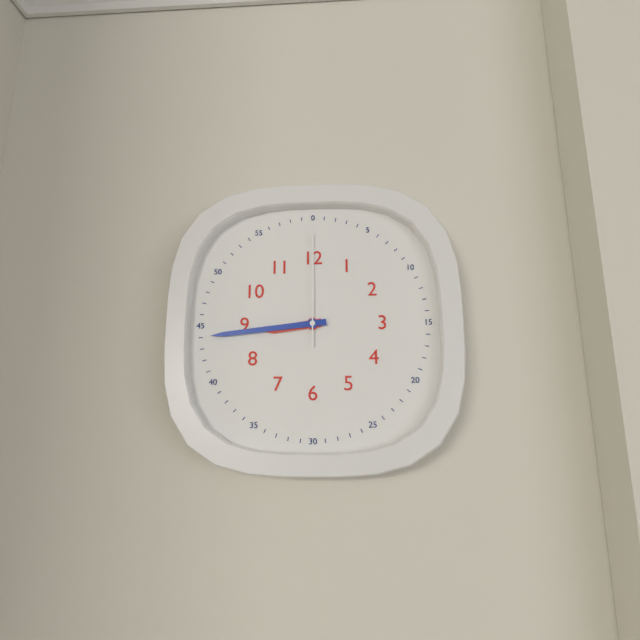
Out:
8.44.00
